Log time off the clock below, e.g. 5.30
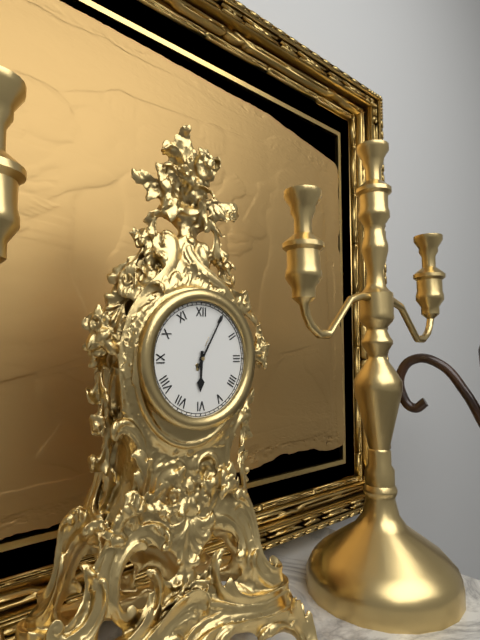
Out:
6.05
